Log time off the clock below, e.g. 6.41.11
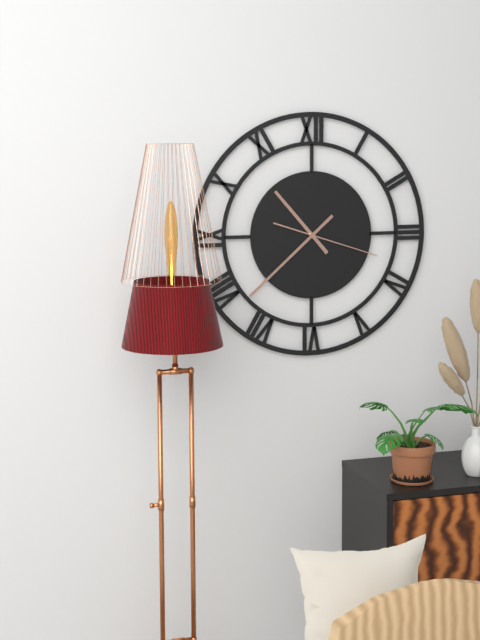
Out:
10.38.18
